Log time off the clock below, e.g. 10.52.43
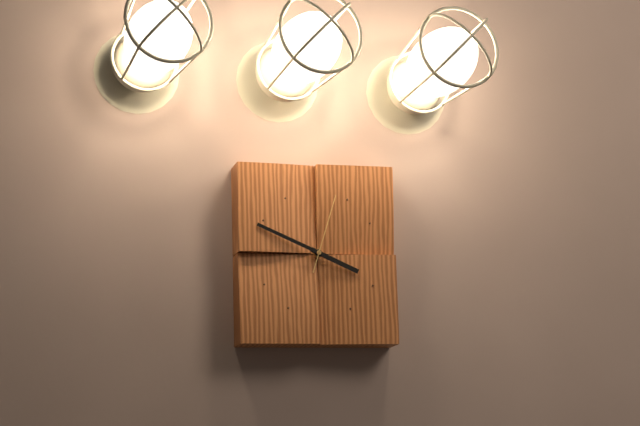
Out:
3.49.03
